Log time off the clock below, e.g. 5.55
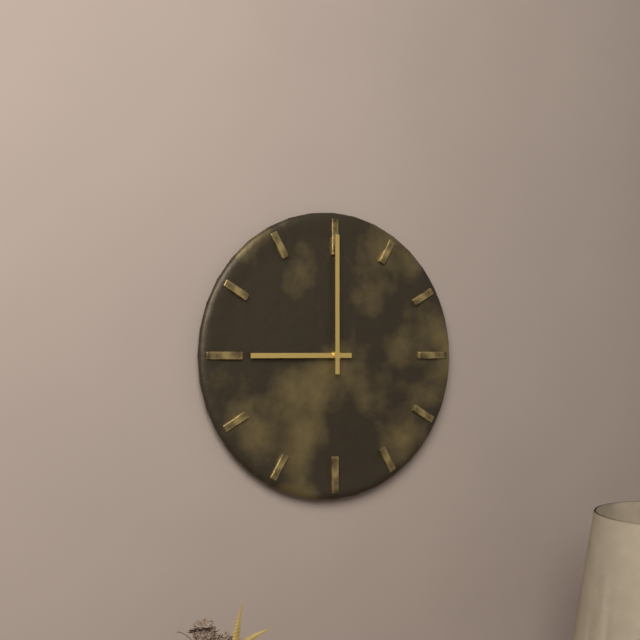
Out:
9.00
